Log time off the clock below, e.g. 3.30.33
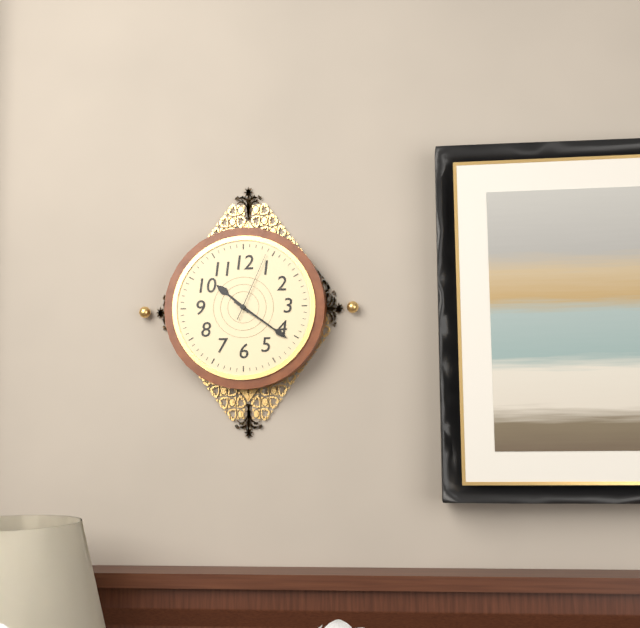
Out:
10.21.04
